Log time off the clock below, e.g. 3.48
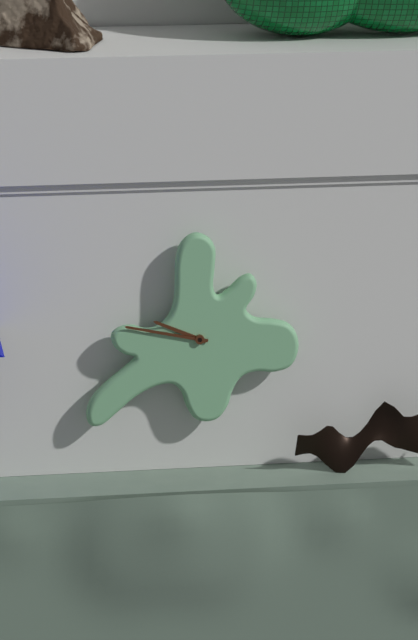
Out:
9.47
